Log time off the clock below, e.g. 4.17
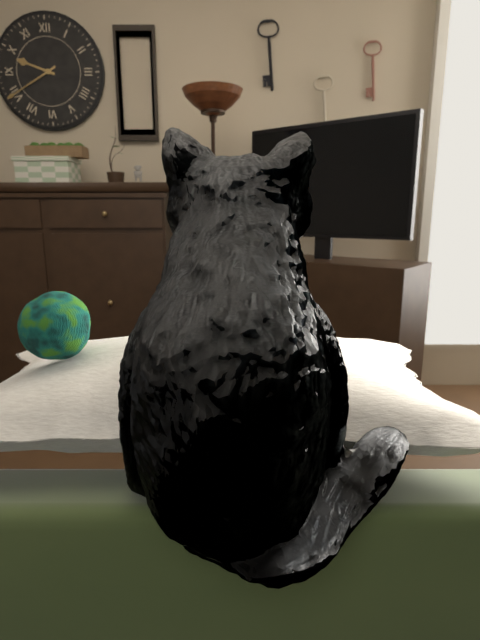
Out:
9.40
